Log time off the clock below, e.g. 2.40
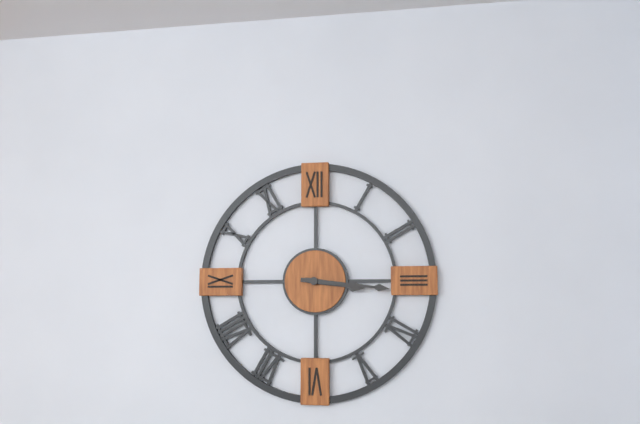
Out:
3.16
